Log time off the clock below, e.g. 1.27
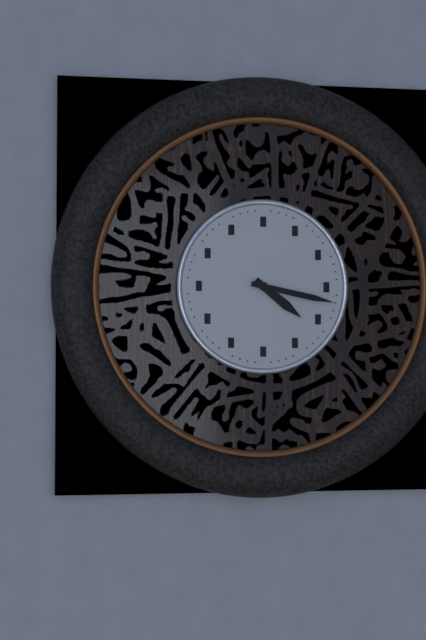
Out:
4.17
